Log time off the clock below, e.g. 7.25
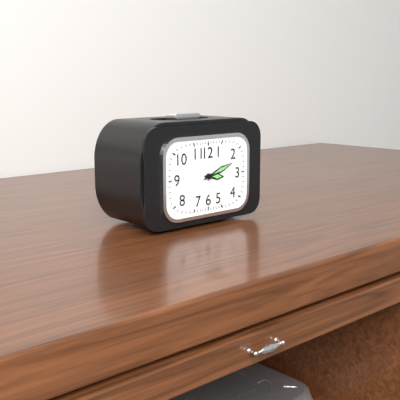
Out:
3.12
